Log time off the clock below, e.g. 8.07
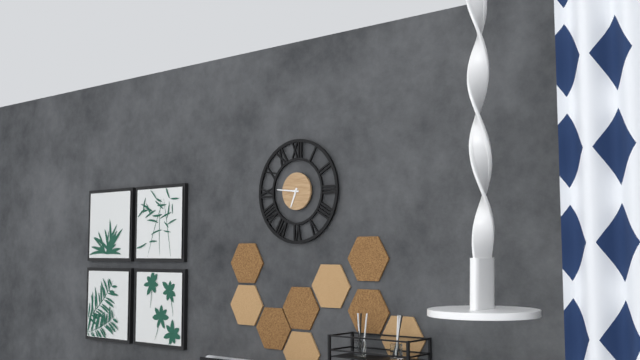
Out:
6.46
